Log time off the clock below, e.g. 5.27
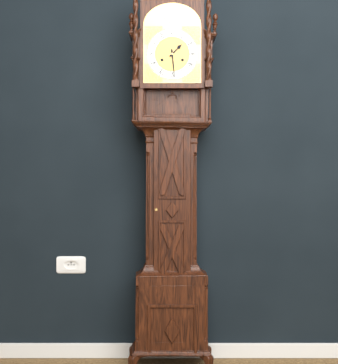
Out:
1.29
